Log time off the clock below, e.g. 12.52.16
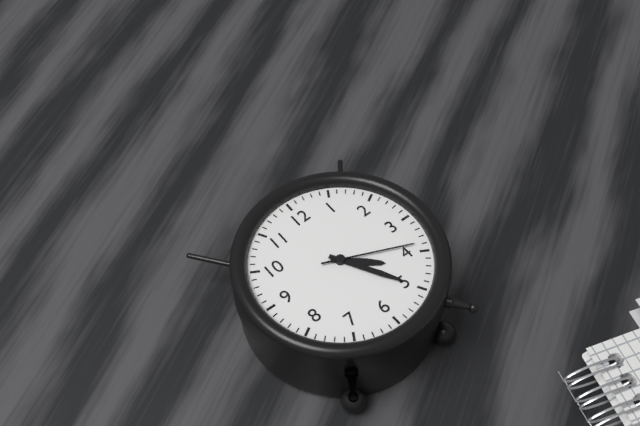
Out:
4.25.19
